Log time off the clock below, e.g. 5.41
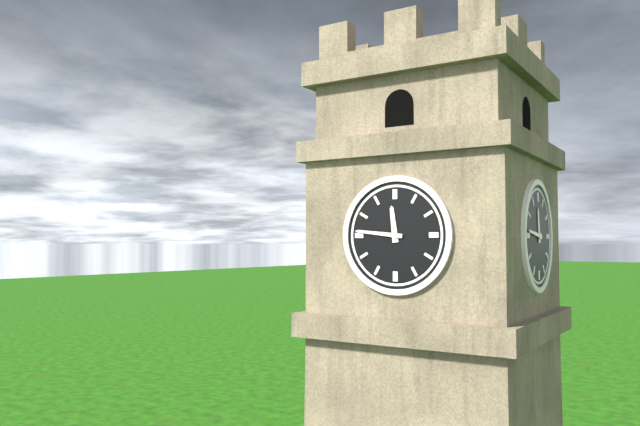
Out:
11.46
